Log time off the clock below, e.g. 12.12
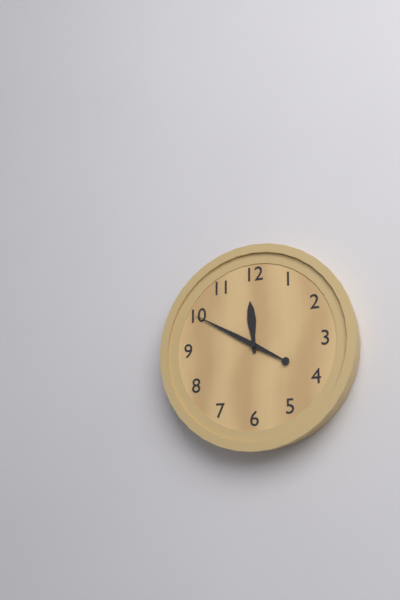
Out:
11.50
